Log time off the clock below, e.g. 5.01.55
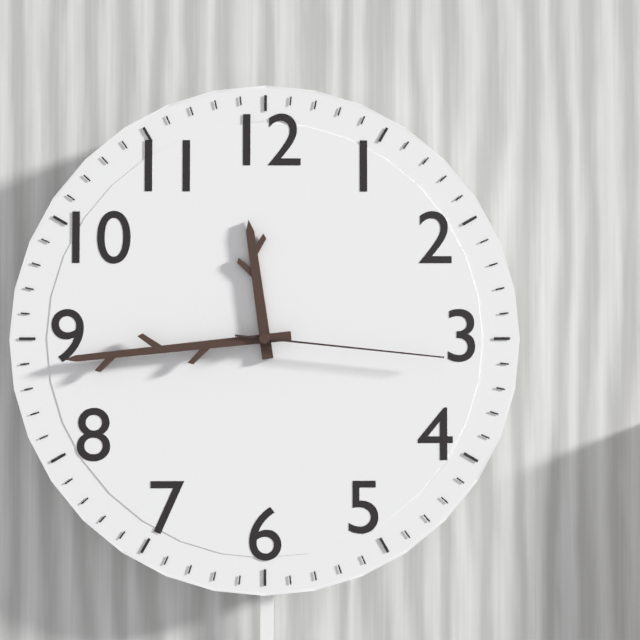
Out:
11.44.16
